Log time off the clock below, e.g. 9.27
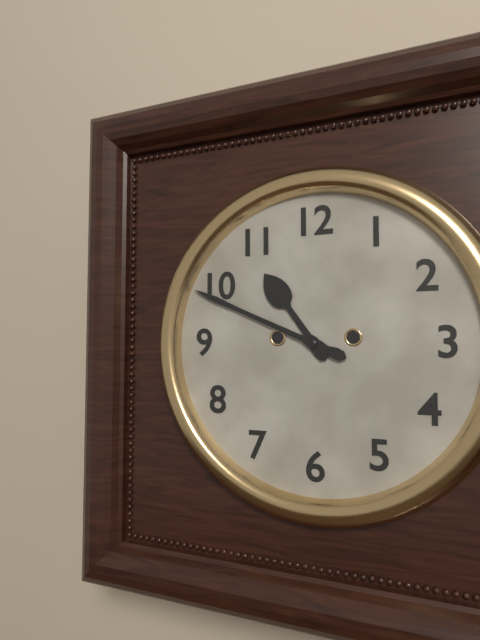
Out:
10.49
